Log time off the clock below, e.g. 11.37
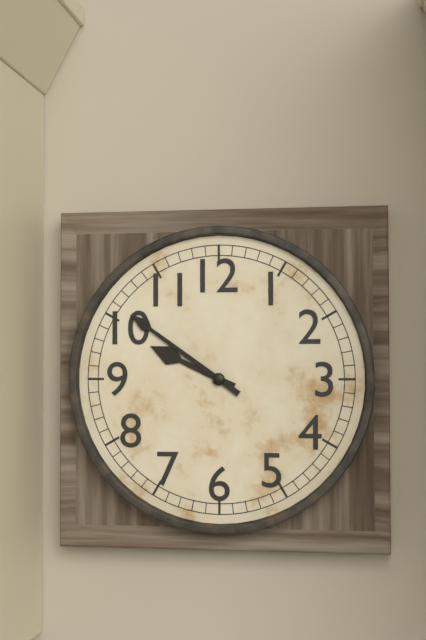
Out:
9.51
